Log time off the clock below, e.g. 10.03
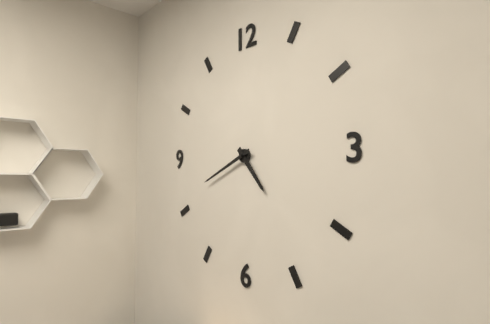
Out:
4.41
